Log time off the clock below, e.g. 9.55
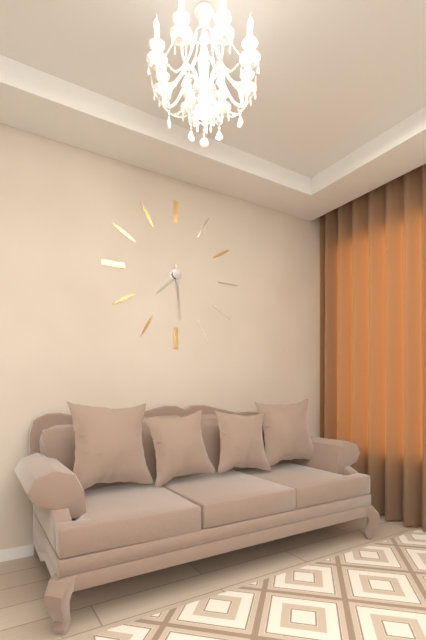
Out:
7.29
